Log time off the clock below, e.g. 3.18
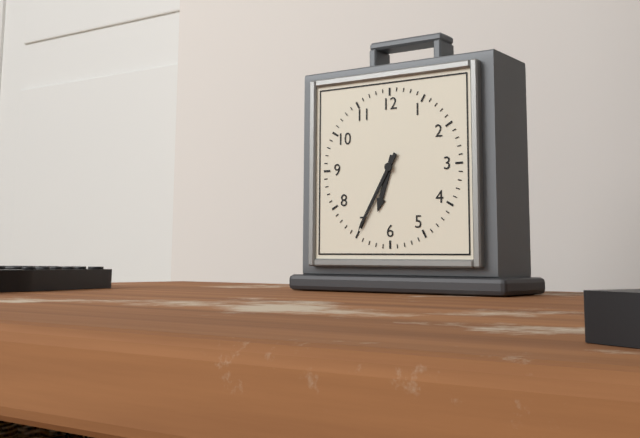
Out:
6.35
